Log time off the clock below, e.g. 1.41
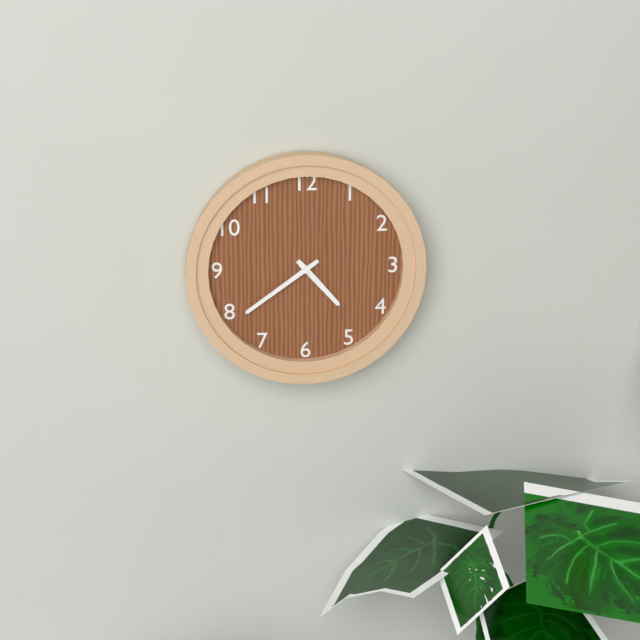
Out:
4.39
